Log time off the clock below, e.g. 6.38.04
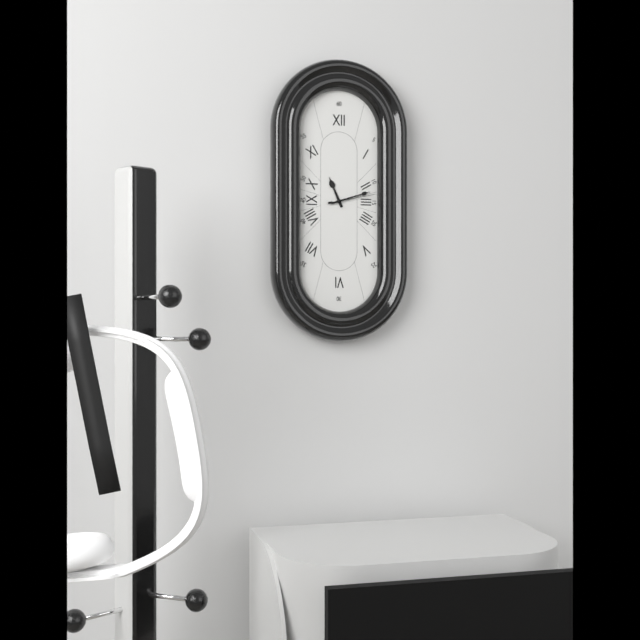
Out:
11.12.13
